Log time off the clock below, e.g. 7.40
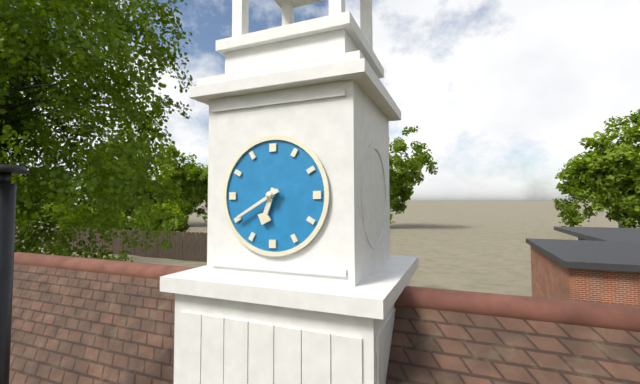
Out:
6.40
